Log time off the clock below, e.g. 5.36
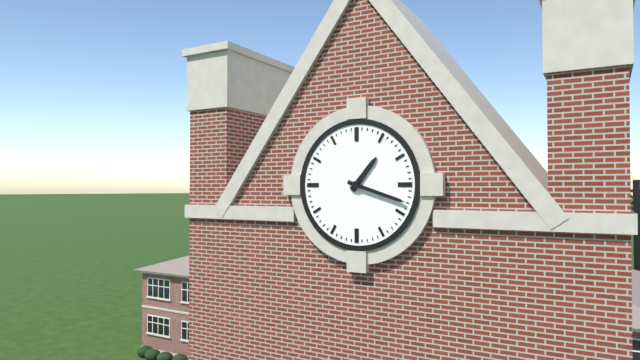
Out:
1.18
